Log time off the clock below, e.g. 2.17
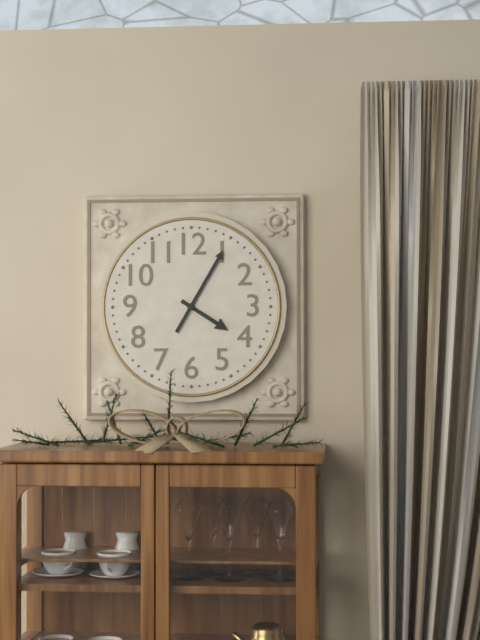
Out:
4.05
